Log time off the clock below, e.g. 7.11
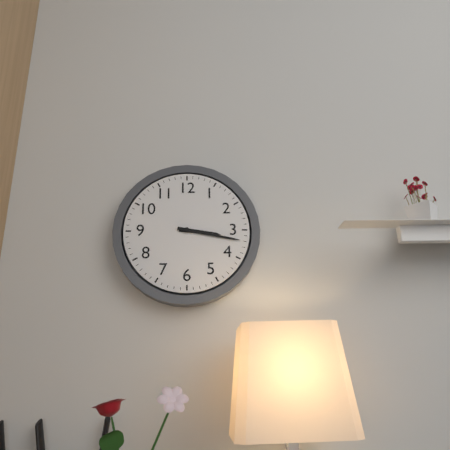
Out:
3.17
